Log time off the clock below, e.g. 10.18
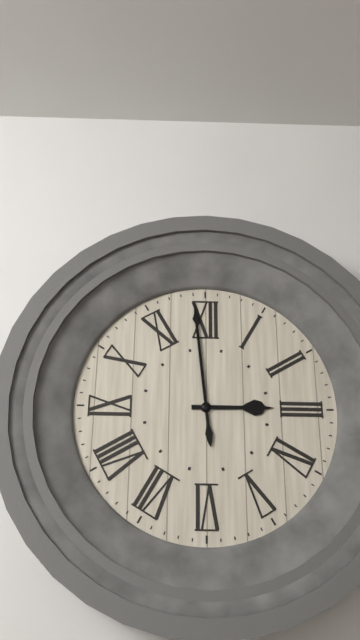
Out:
2.59
